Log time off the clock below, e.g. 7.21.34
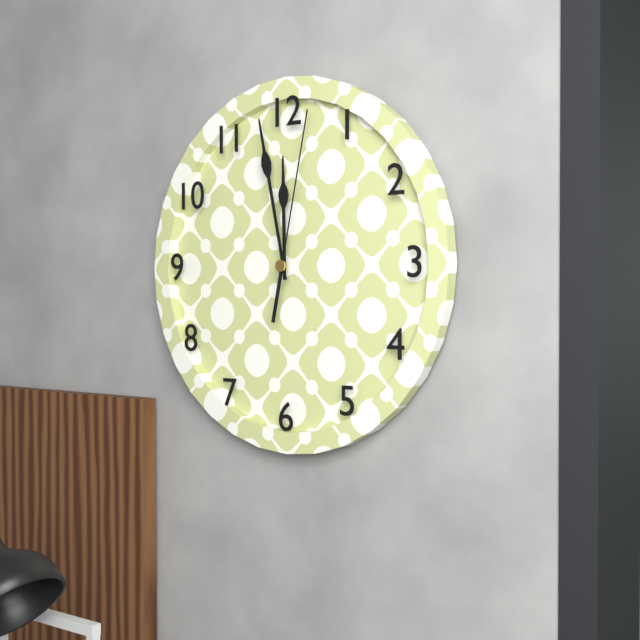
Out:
11.58.02
